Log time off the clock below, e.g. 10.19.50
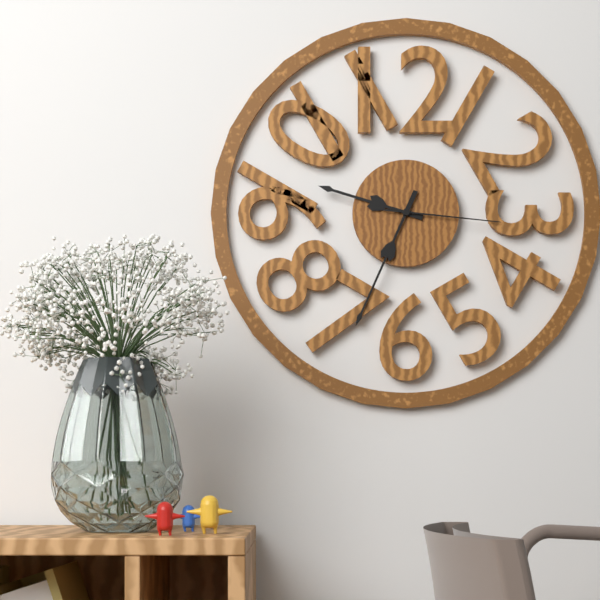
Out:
9.34.16
